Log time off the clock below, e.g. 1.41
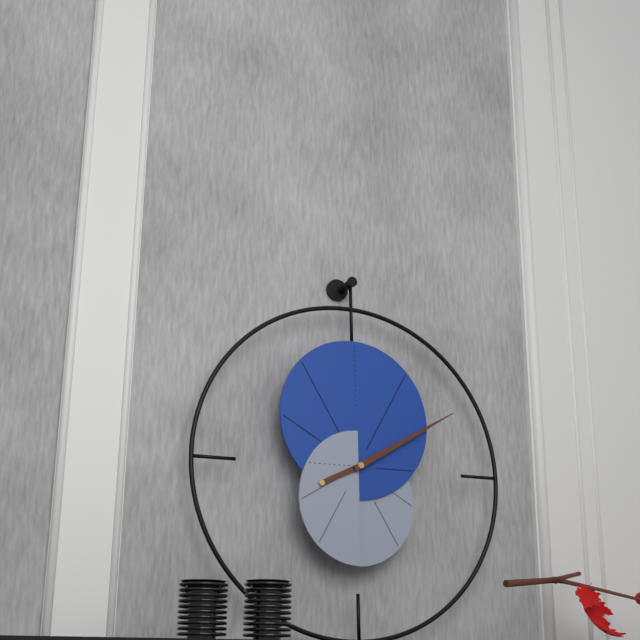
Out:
8.10
